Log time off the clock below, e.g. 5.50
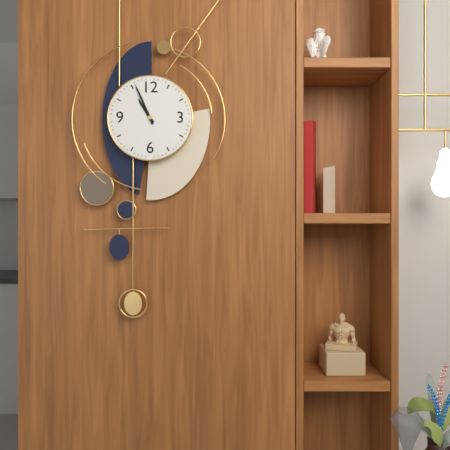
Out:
10.56
